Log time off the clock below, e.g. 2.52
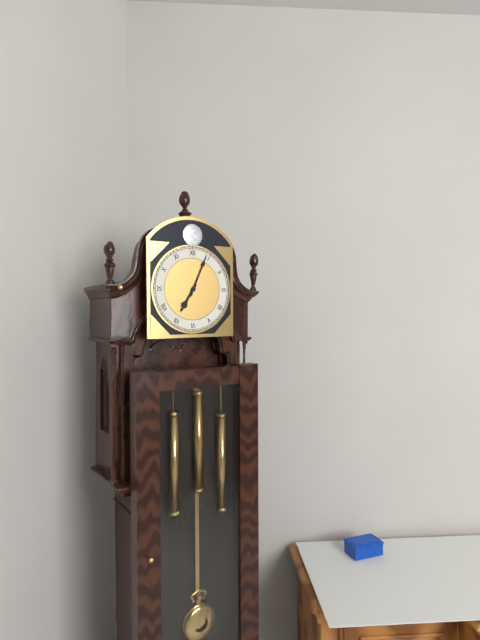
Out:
7.04
